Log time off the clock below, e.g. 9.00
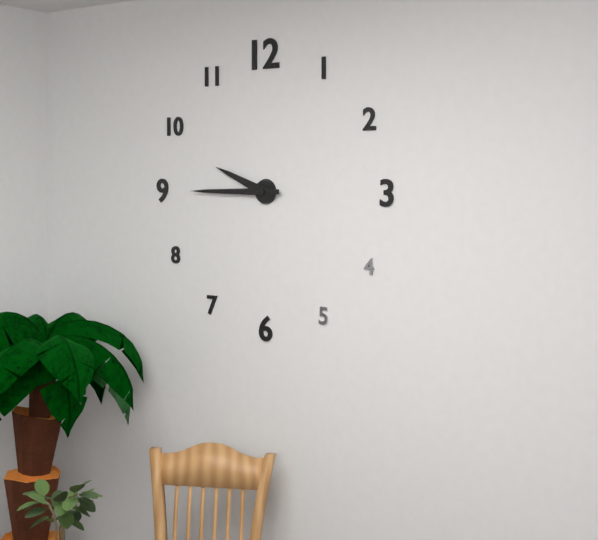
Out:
9.45
